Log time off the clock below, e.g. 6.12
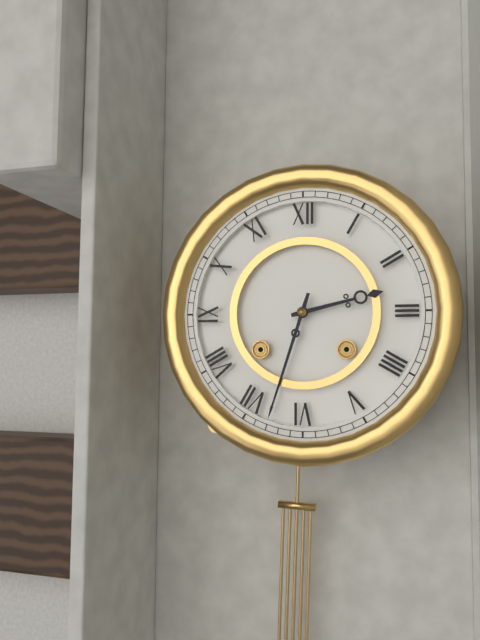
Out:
2.33
